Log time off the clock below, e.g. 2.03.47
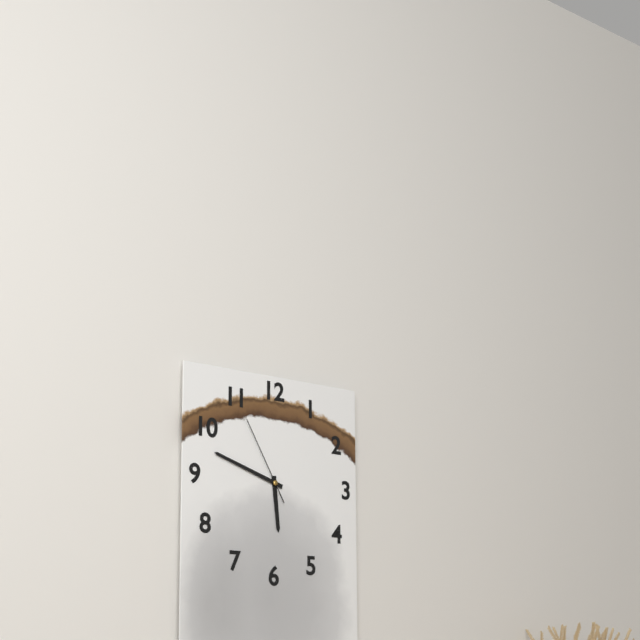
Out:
5.48.55
